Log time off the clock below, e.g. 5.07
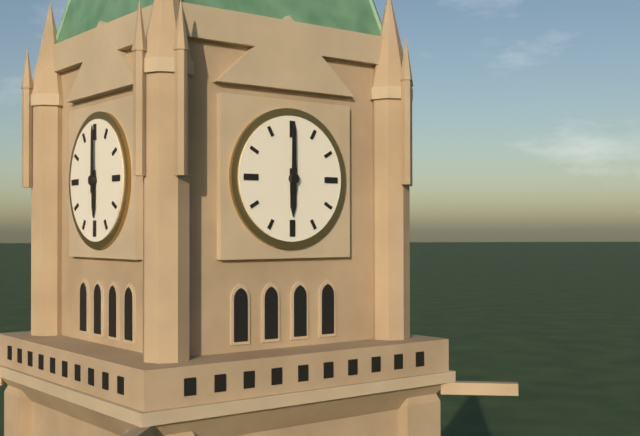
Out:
6.00
